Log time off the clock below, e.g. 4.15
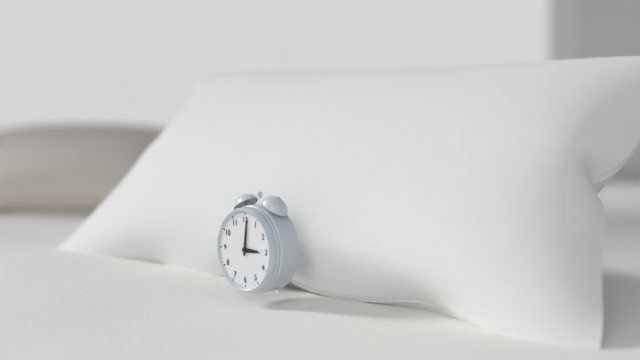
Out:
3.01
